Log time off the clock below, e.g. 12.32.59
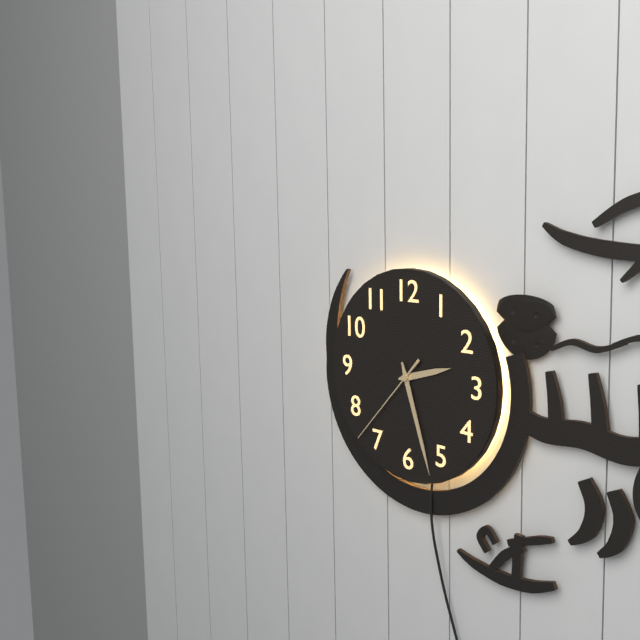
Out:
2.27.37
